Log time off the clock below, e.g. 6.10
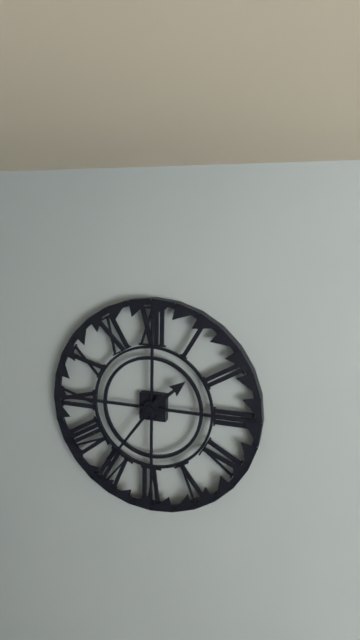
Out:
1.36
